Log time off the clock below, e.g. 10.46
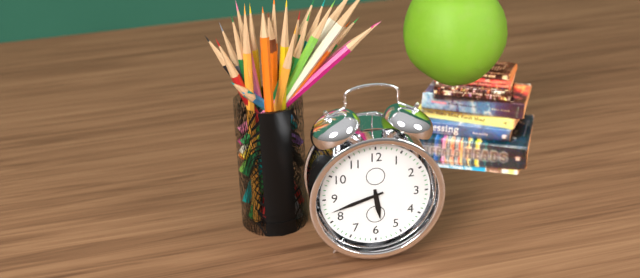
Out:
5.42
